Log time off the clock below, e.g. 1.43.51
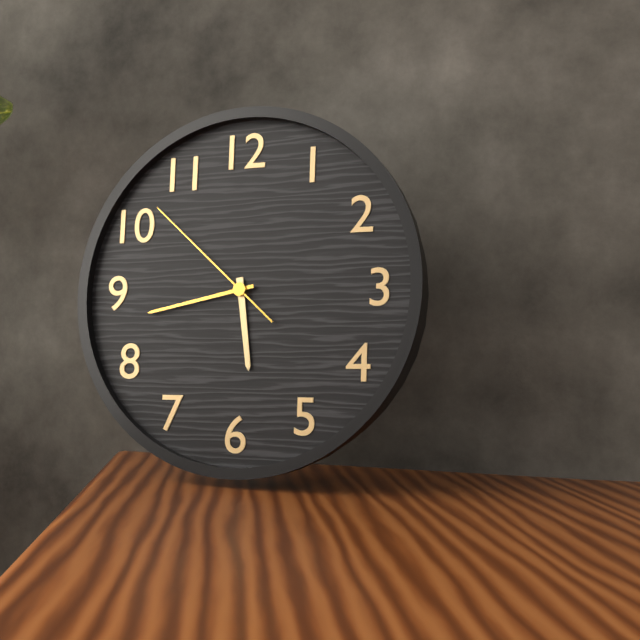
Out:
5.43.52
